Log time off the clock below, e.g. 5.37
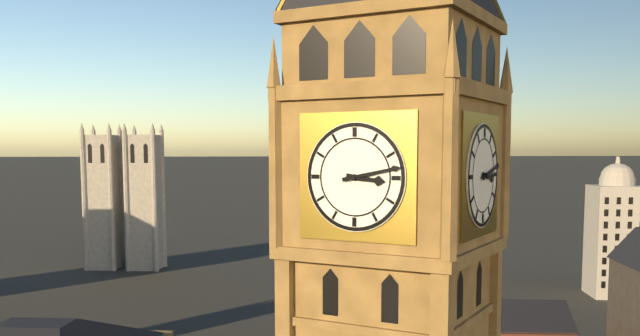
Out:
3.13
